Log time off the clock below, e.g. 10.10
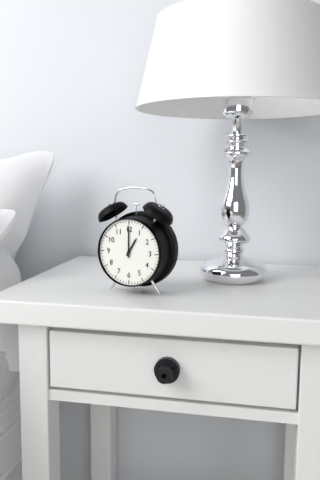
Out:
1.00
